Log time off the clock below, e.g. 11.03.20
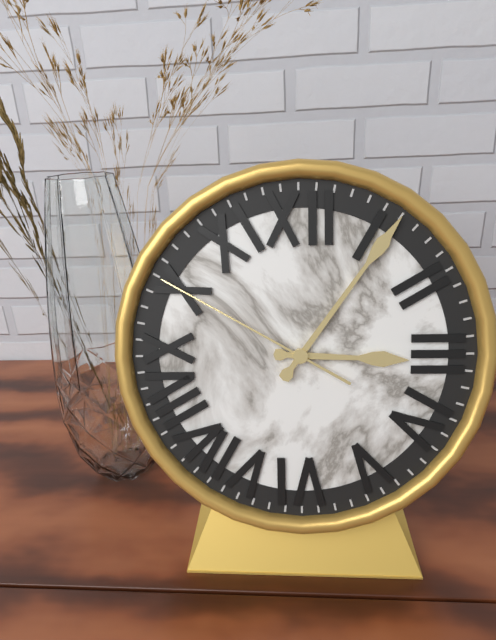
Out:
3.06.50
